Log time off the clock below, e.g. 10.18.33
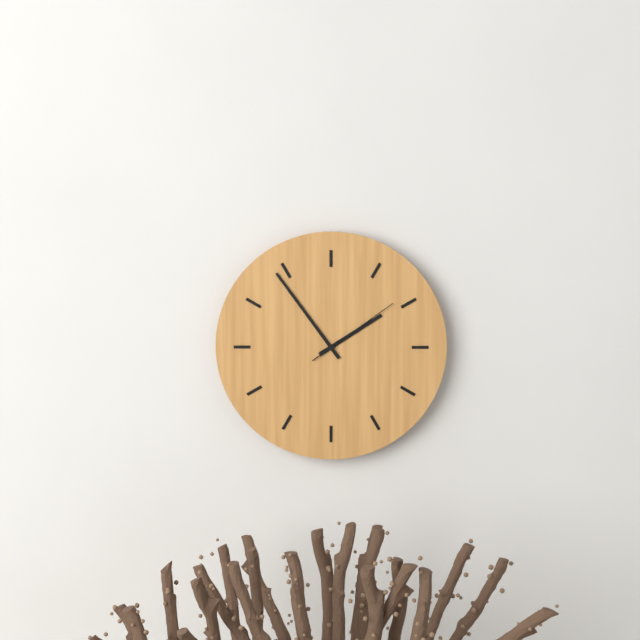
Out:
1.54.09
